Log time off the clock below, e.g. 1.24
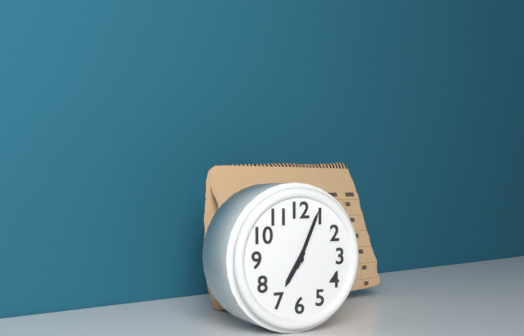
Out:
7.04
